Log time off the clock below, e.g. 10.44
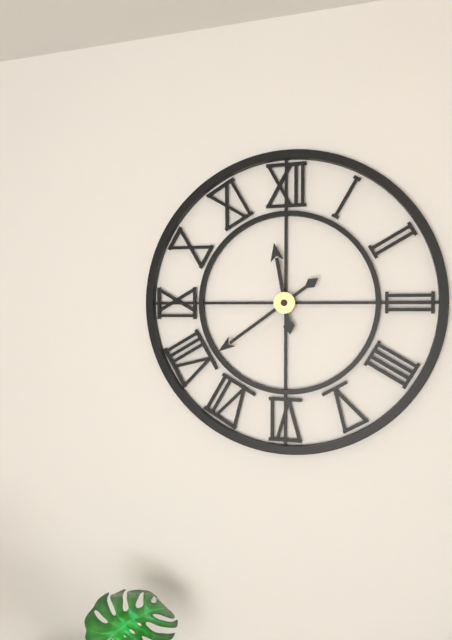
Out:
11.39
